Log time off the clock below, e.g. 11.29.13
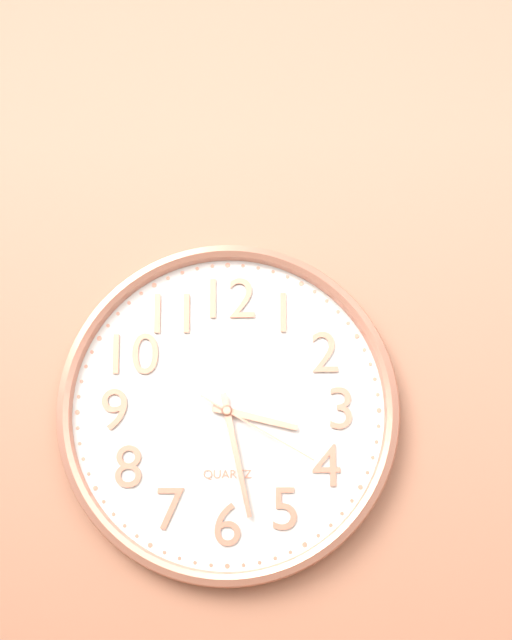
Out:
3.28.20
